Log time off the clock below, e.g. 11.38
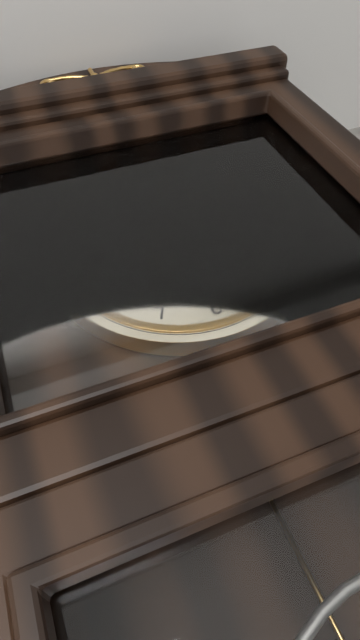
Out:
6.19
